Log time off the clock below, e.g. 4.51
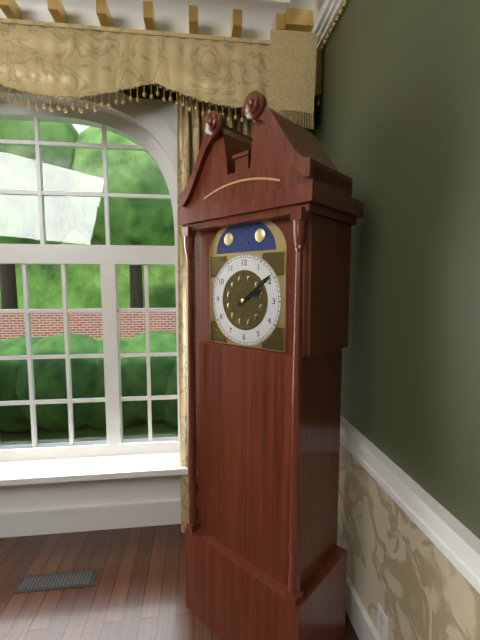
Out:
2.09
